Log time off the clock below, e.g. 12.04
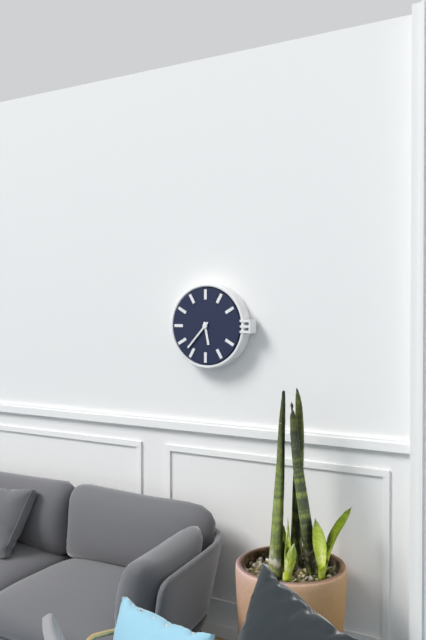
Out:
5.37
